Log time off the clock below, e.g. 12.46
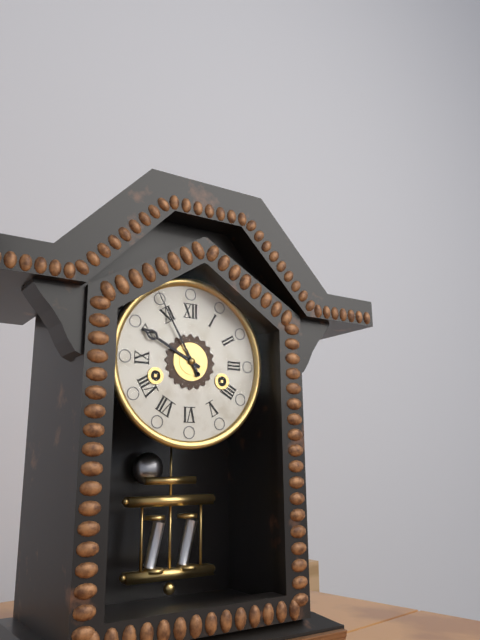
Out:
9.55
